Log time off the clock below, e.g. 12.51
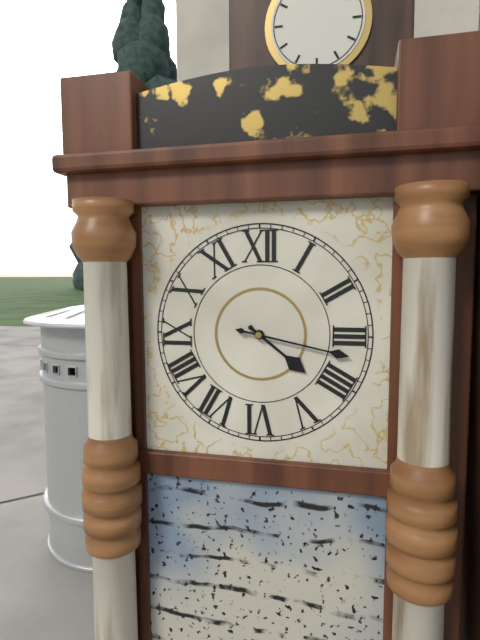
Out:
4.17
